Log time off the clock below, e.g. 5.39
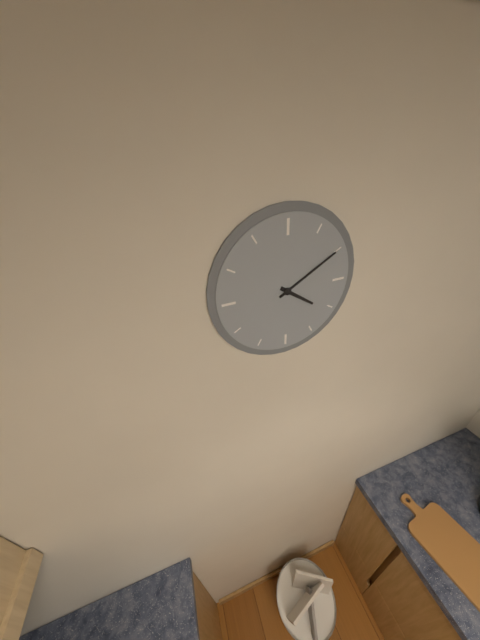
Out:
4.10
